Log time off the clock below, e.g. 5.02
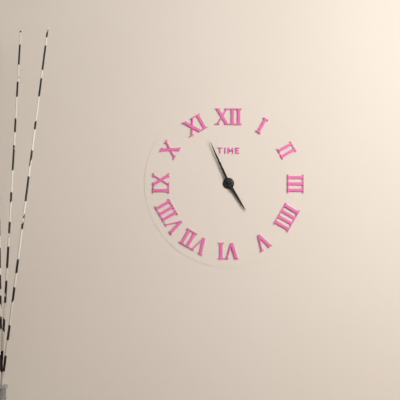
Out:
4.56
